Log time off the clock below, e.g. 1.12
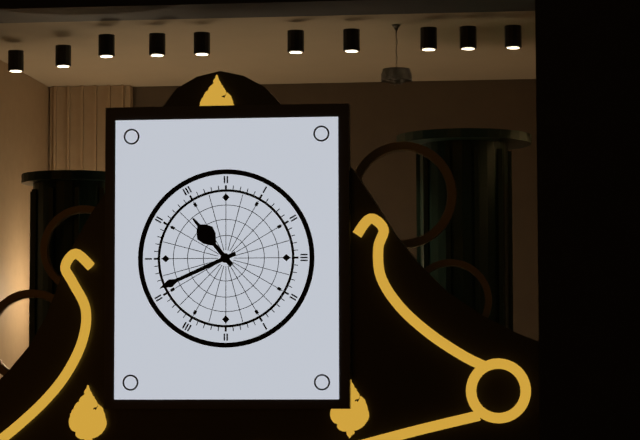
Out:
10.41
